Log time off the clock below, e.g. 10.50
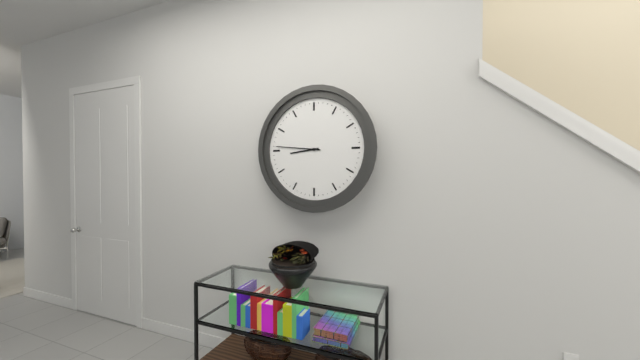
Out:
8.46
